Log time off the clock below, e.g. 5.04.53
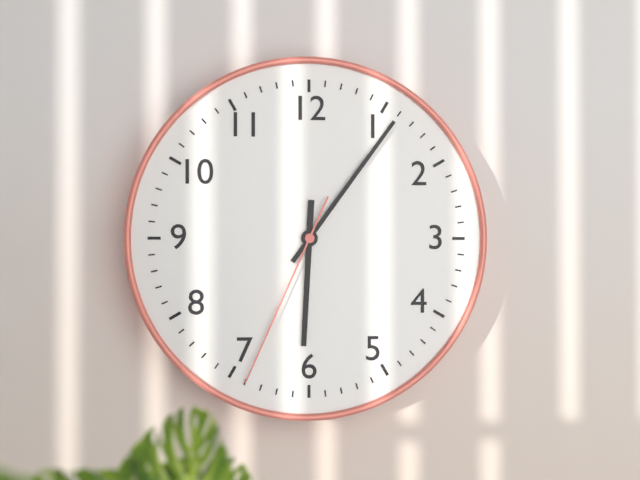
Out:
6.06.34
